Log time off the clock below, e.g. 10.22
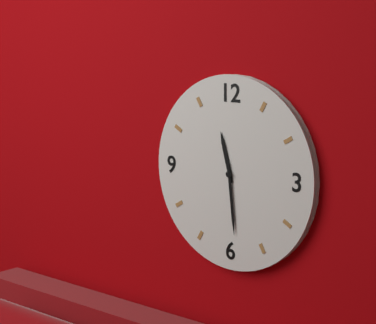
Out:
11.29
